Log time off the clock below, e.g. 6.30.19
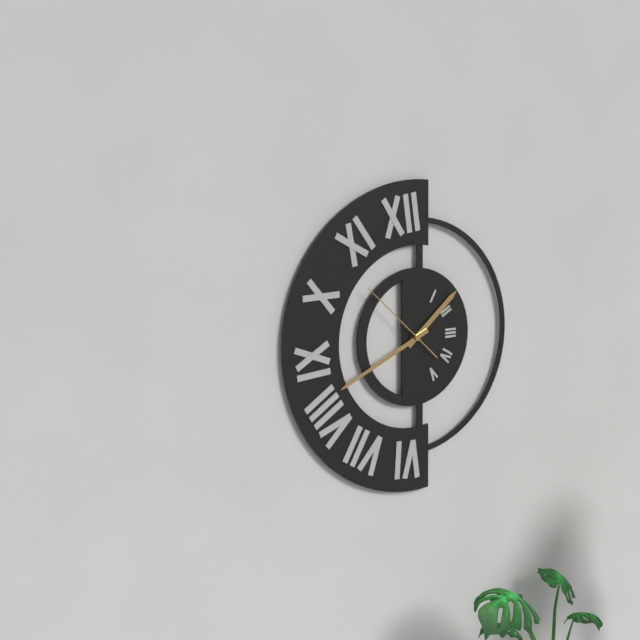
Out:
1.41.52
